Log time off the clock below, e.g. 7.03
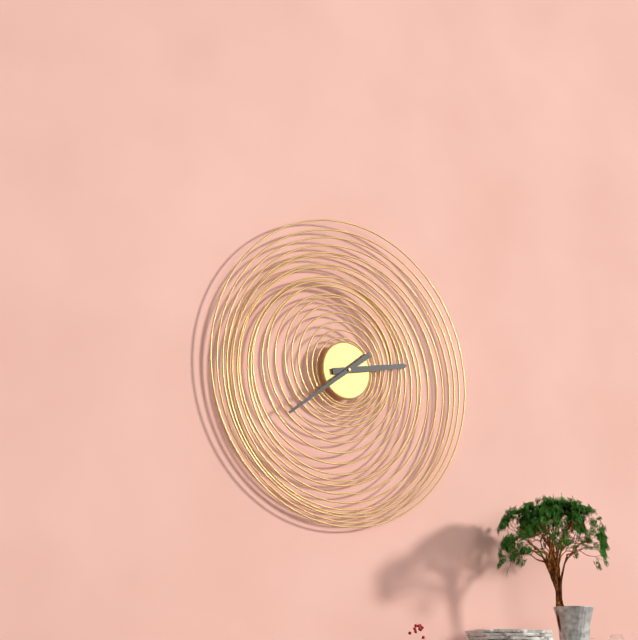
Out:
2.39
